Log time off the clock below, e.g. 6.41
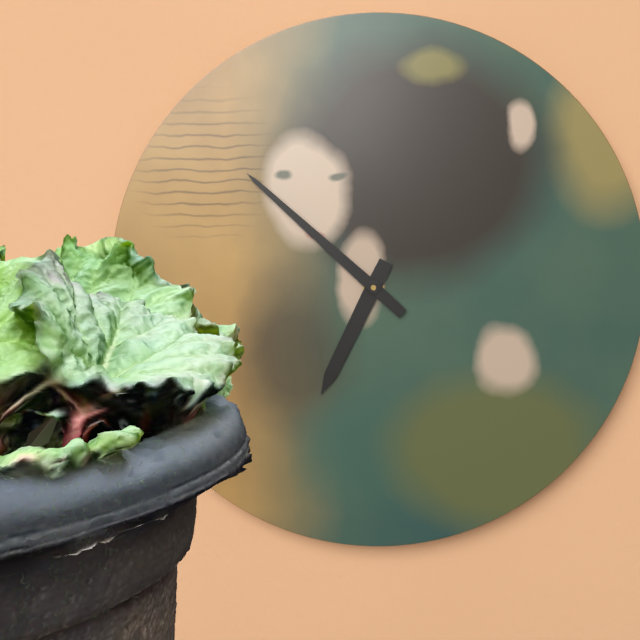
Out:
6.52
